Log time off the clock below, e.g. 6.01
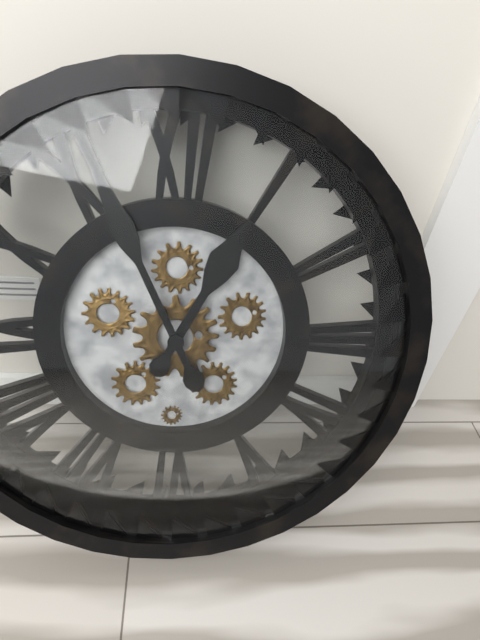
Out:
12.56
